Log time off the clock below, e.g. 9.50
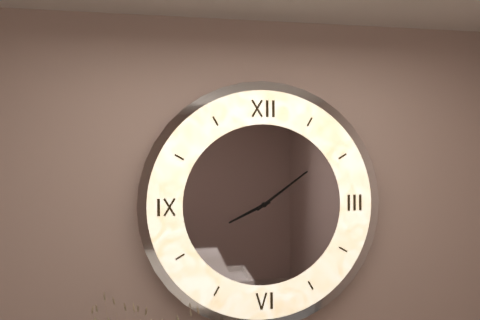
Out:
8.09
